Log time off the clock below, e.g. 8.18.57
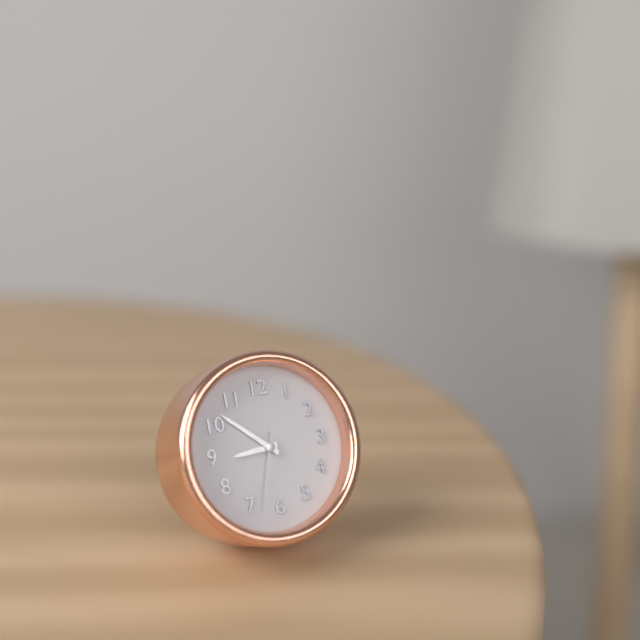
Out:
8.52.33
